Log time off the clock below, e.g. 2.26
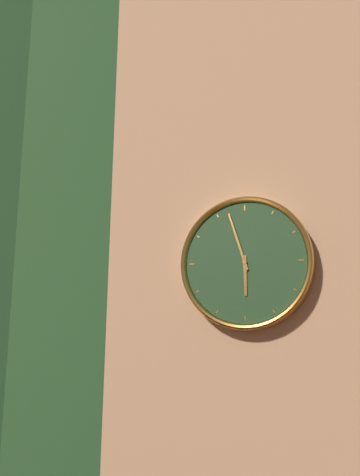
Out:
5.57
